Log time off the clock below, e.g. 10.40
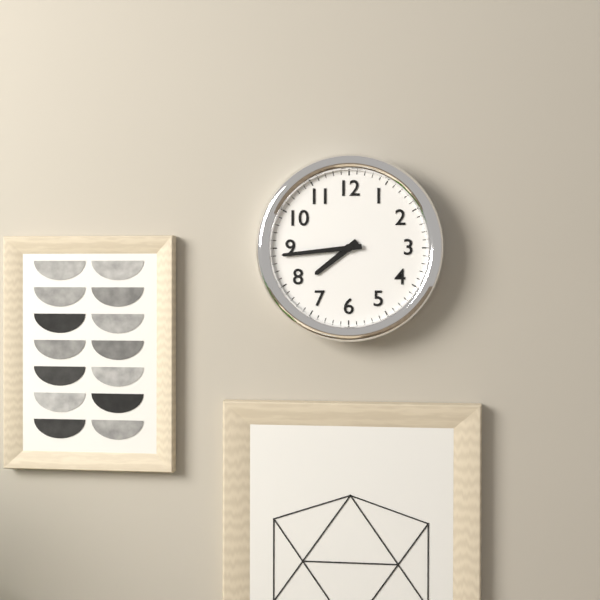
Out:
7.44
